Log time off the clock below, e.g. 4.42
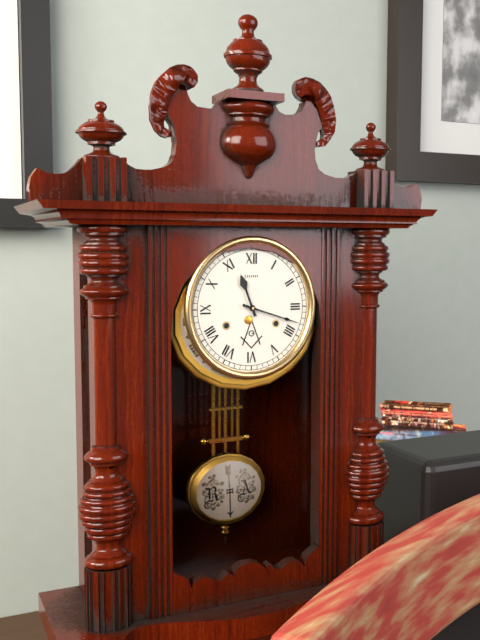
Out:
11.18
